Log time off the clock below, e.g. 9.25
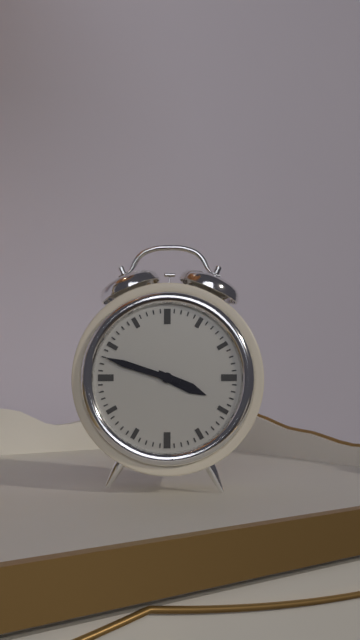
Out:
3.48
